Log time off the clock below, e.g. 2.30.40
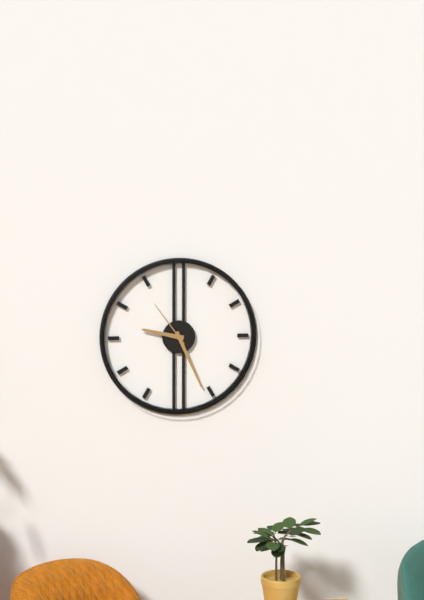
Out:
9.26.54
